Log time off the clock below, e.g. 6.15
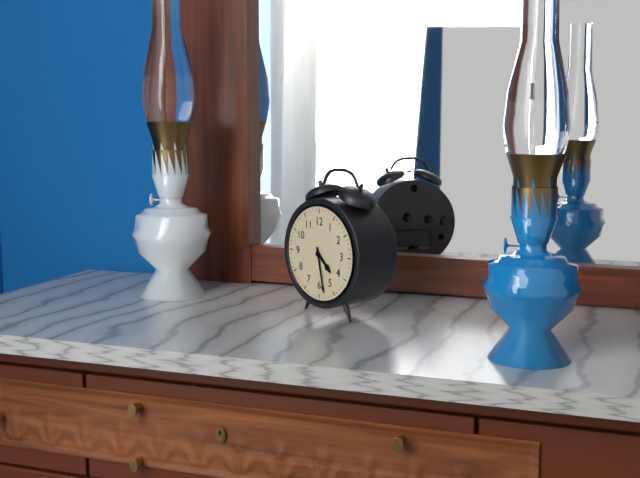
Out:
4.28
